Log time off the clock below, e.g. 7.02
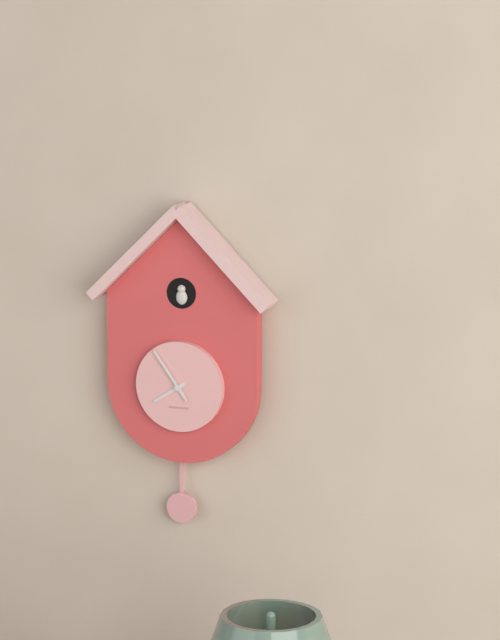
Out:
7.54
